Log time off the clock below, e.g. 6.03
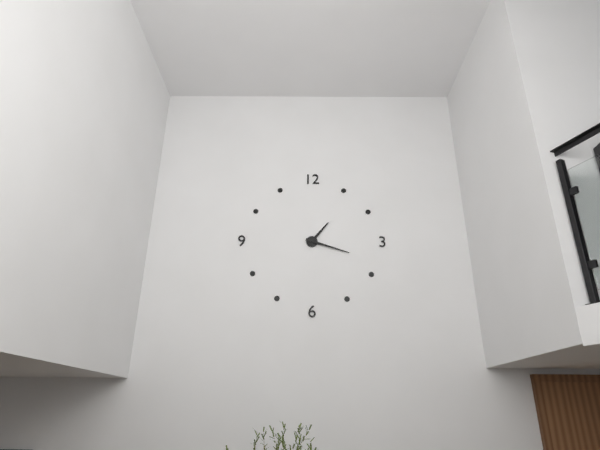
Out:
1.18
